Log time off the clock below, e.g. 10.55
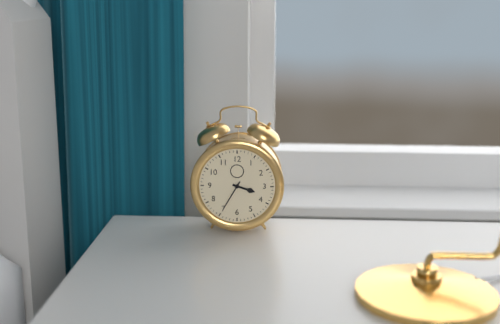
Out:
3.35
